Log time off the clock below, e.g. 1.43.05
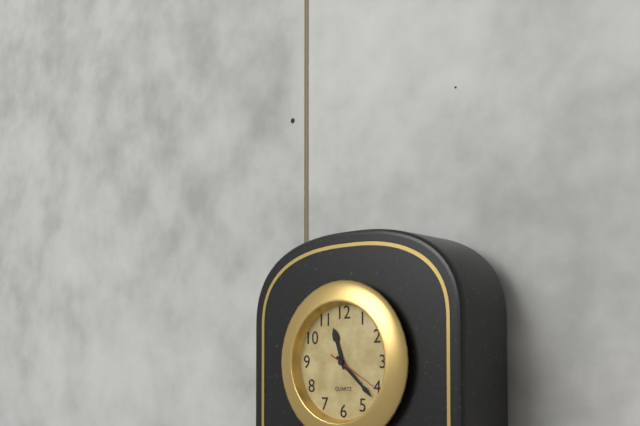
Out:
11.22.20
